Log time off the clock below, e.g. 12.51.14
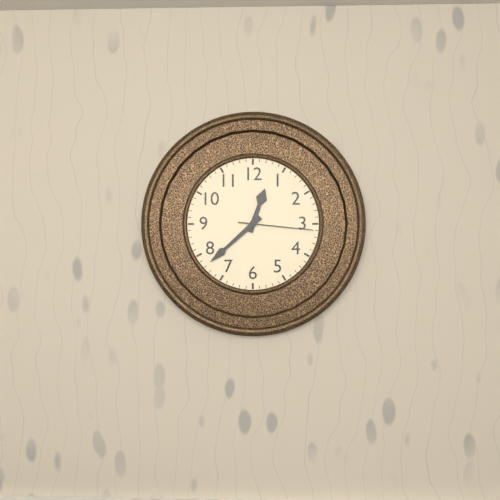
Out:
12.38.16
